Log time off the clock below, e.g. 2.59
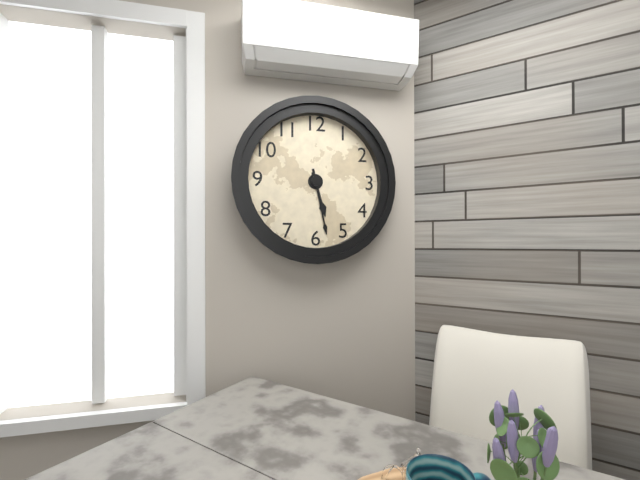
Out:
5.28
